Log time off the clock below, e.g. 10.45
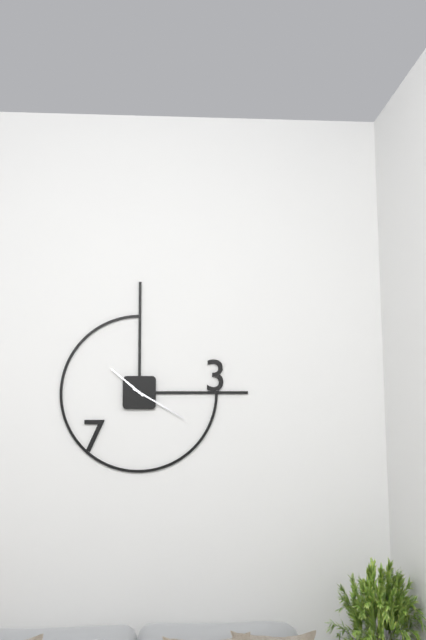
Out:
10.20
